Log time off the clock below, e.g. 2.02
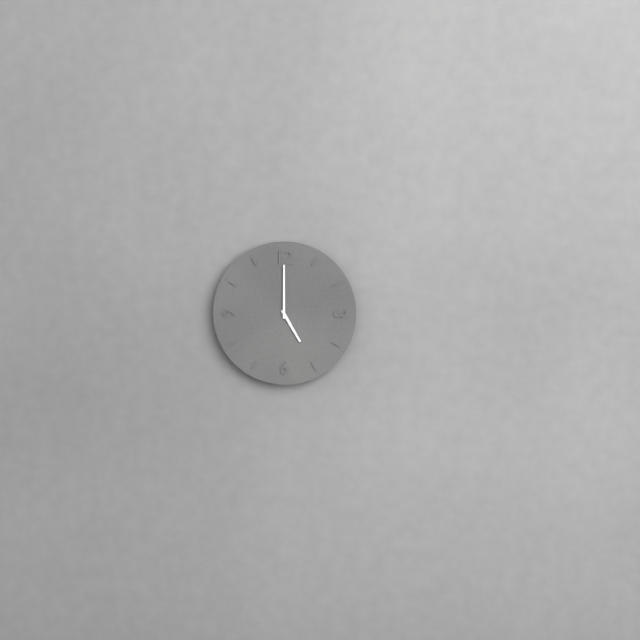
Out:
5.00
